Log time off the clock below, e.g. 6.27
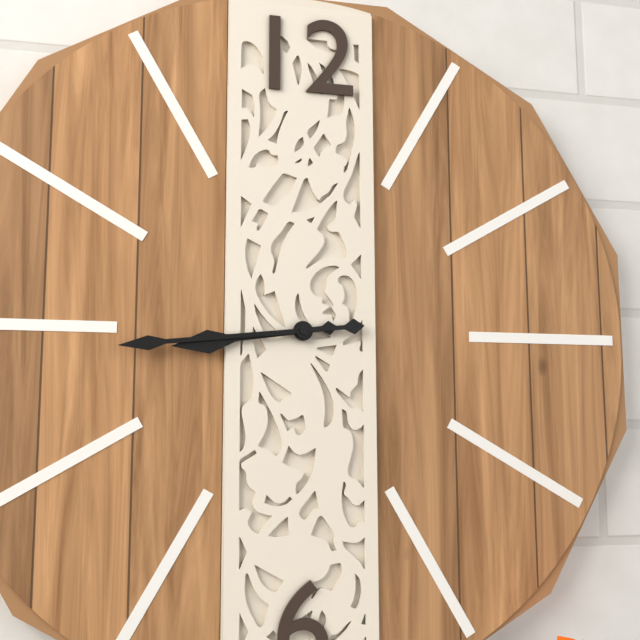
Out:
8.44
